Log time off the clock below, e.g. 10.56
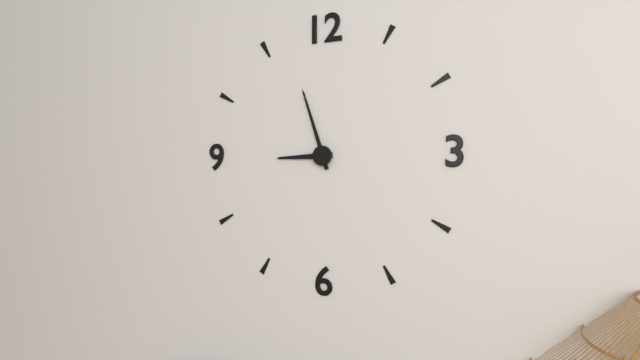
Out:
8.57
